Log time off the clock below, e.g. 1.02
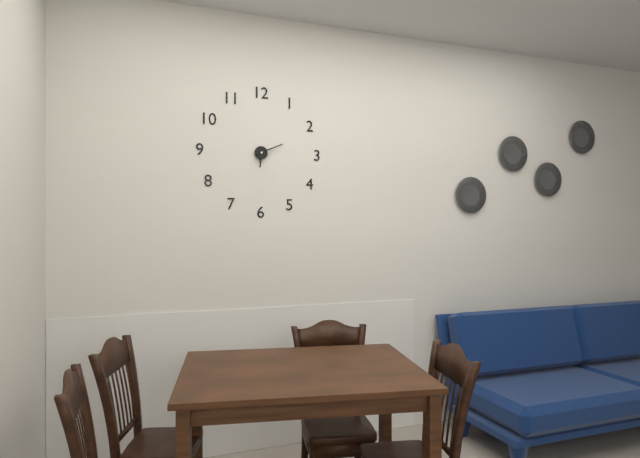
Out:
6.11
